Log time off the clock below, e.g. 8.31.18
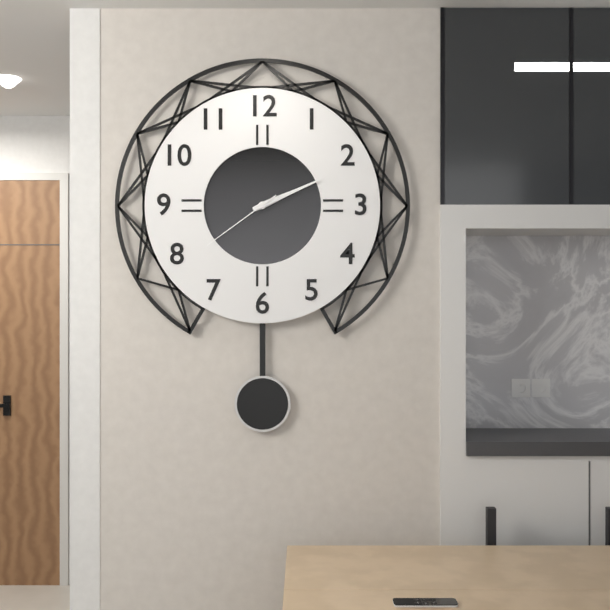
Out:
2.11.39
